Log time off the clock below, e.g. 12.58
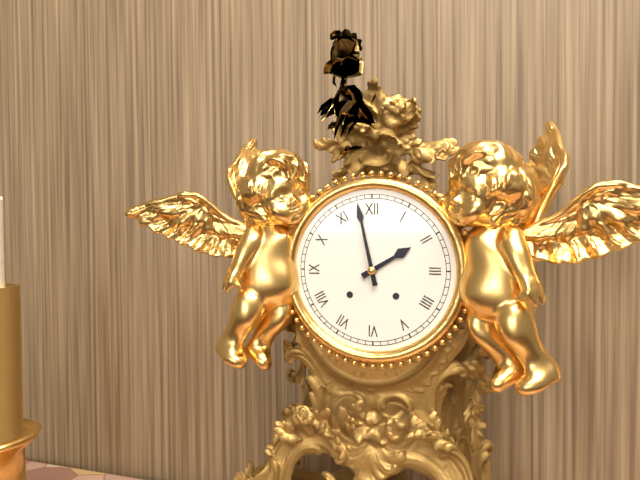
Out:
1.58
